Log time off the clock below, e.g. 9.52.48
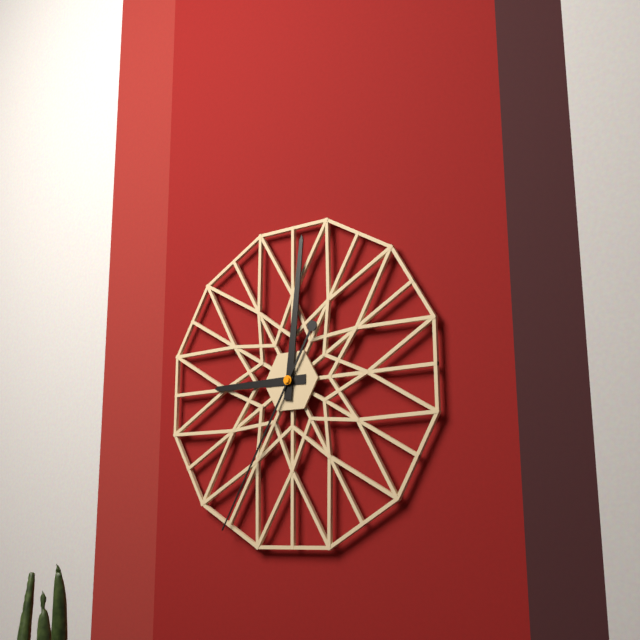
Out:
9.01.35
